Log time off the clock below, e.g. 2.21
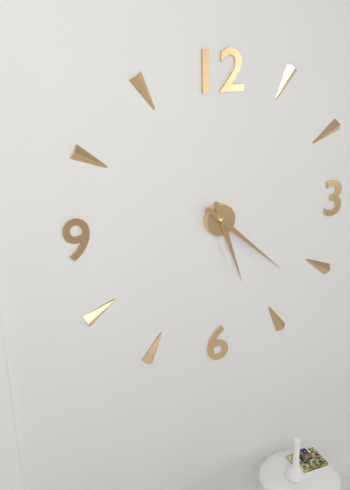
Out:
5.22
